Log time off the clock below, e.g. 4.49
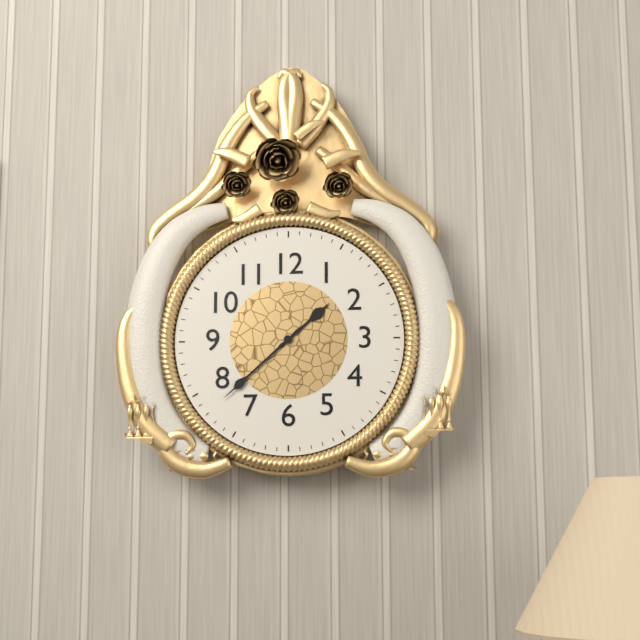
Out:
1.38
